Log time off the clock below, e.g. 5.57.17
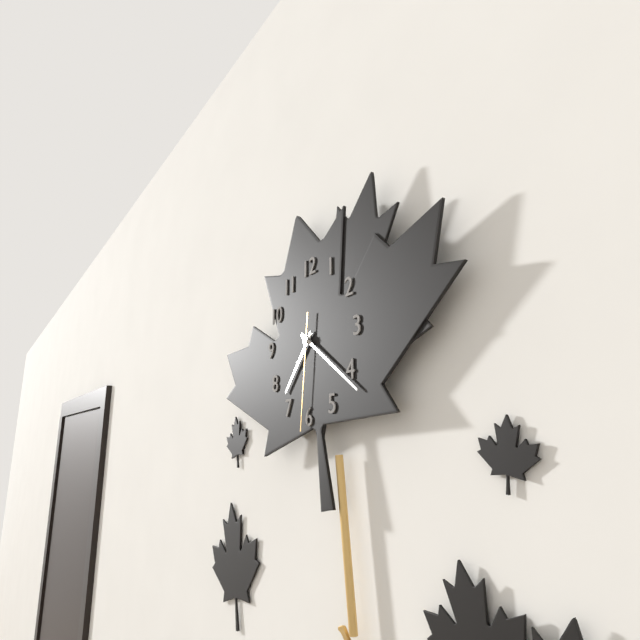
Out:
7.21.31
